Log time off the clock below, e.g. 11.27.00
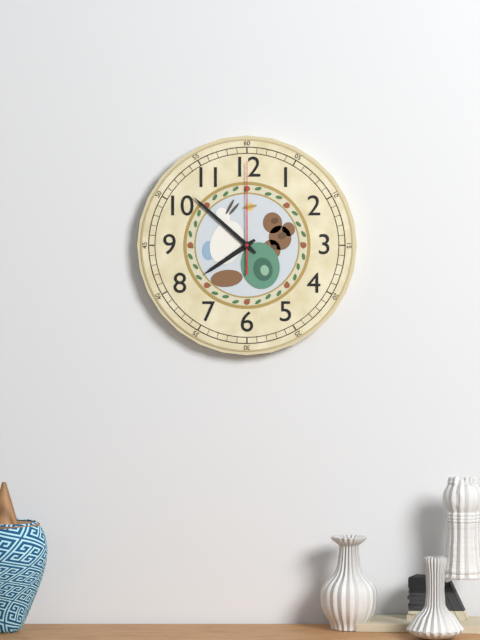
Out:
7.52.00
